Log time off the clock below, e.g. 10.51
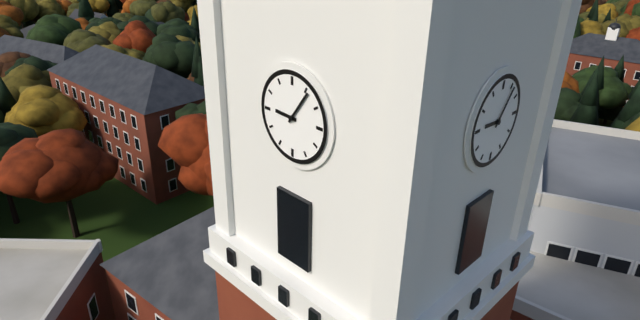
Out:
9.06
